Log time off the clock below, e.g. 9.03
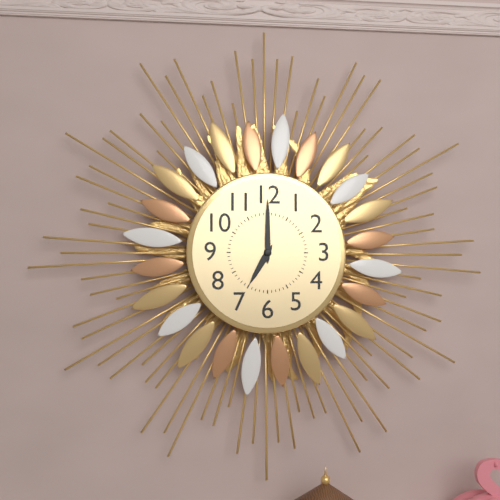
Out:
7.00
